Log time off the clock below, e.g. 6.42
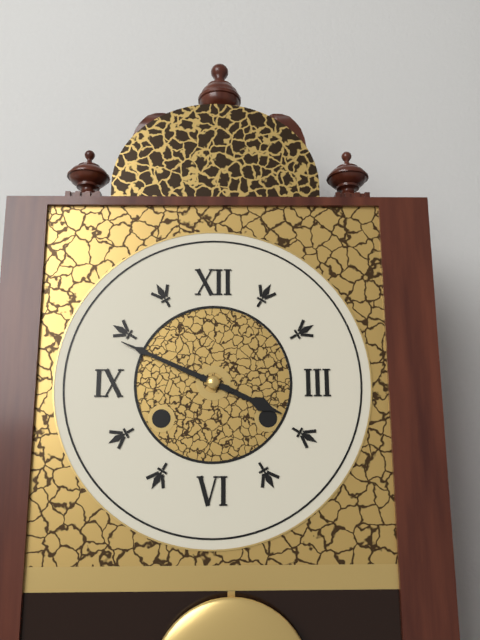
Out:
3.49
